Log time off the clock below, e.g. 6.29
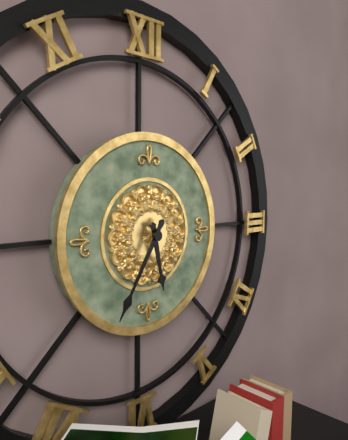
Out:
5.35
